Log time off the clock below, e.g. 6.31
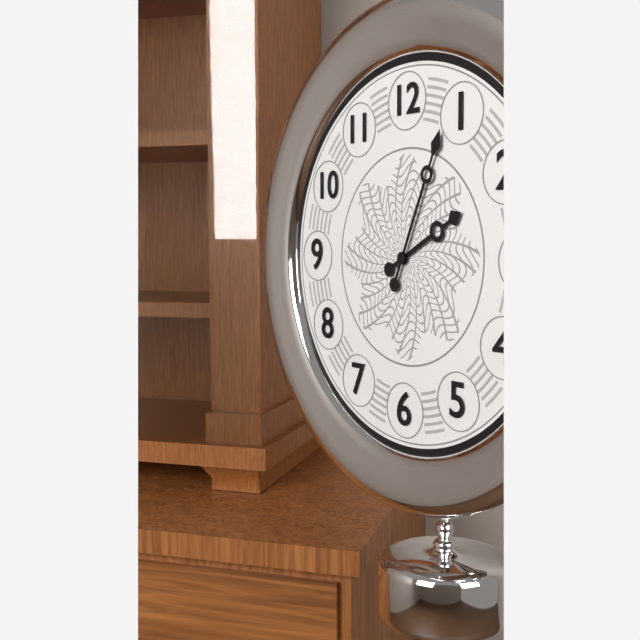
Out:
2.04
